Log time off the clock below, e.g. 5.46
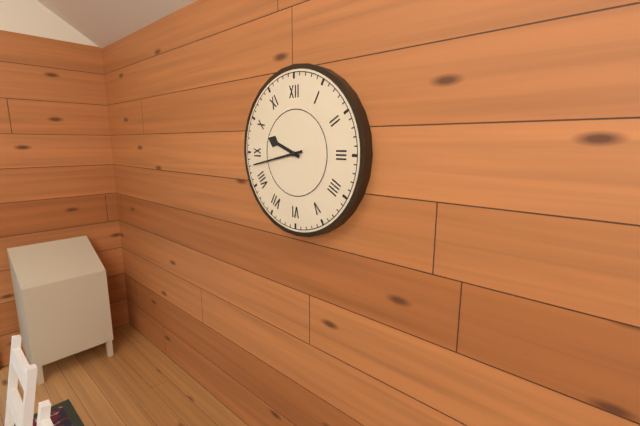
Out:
9.43
